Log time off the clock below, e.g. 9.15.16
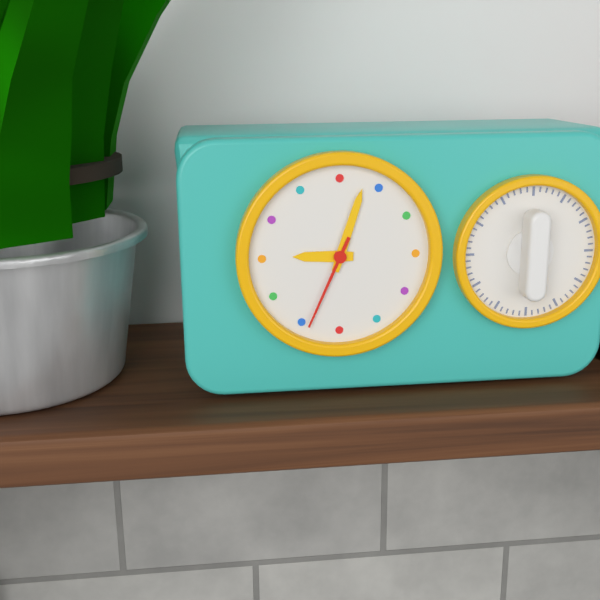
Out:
9.03.34
